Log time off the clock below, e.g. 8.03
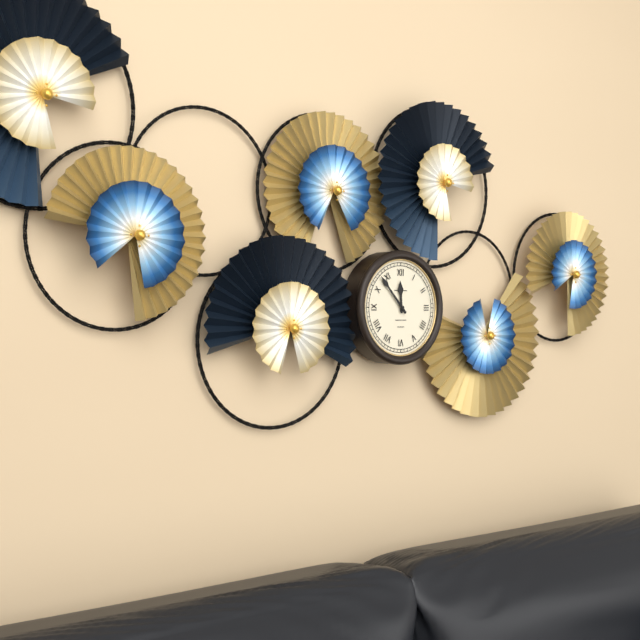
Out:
11.53
